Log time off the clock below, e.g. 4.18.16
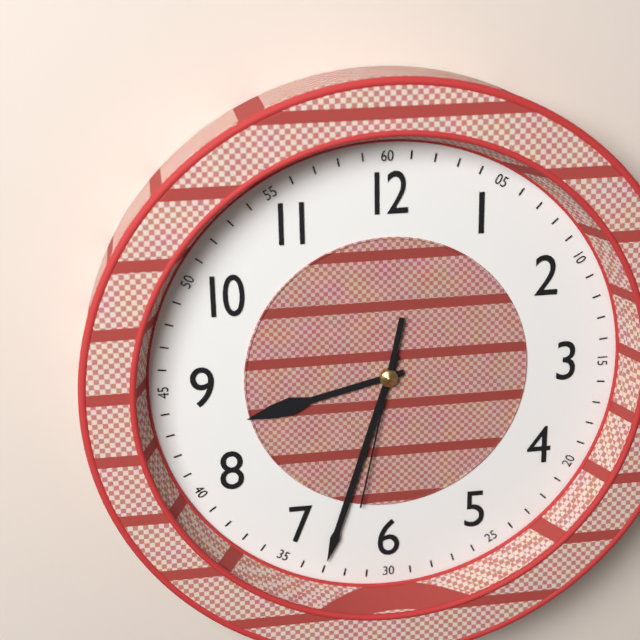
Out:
8.33.32
